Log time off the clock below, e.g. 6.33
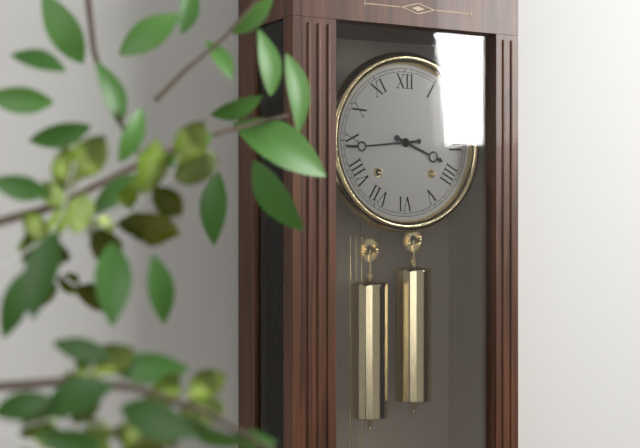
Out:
3.44
